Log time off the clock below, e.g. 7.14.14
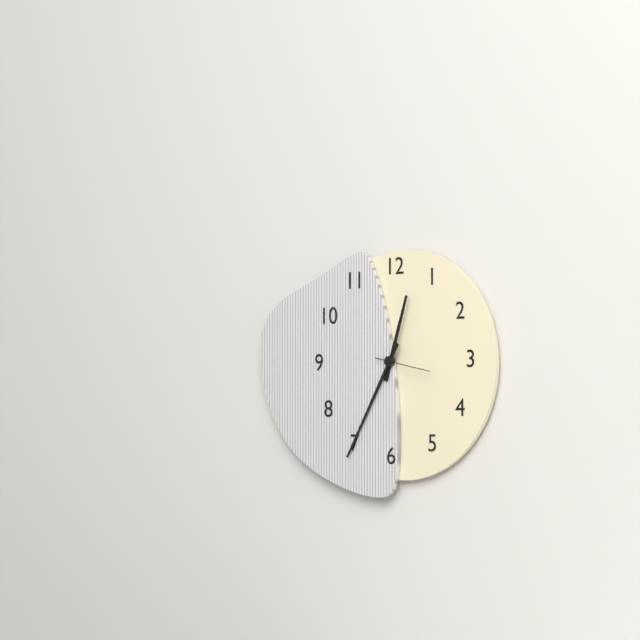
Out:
12.35.17
